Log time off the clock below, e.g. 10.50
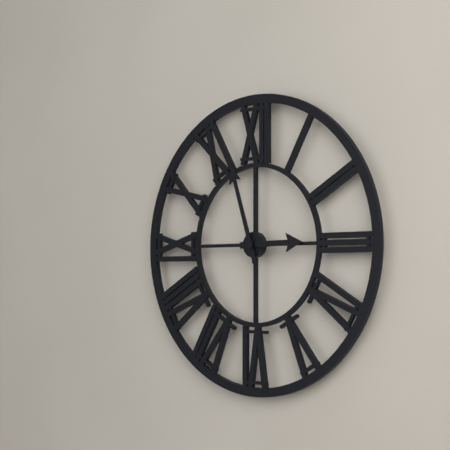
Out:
2.57
